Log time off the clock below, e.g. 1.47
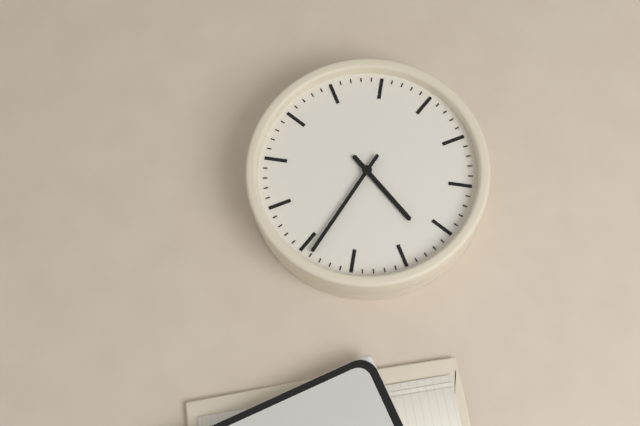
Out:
2.24
